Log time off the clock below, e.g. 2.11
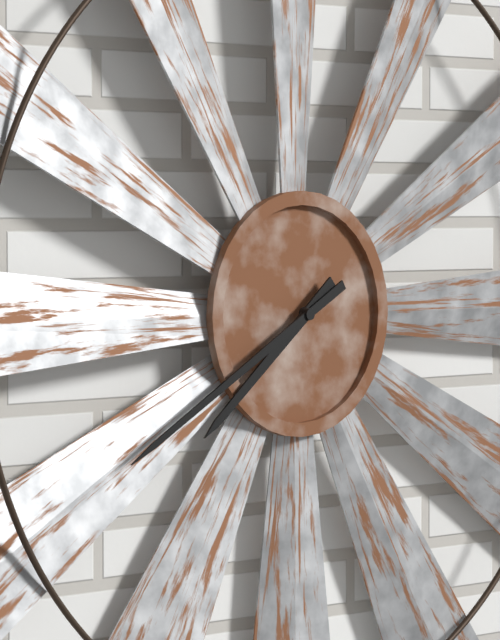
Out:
7.40
